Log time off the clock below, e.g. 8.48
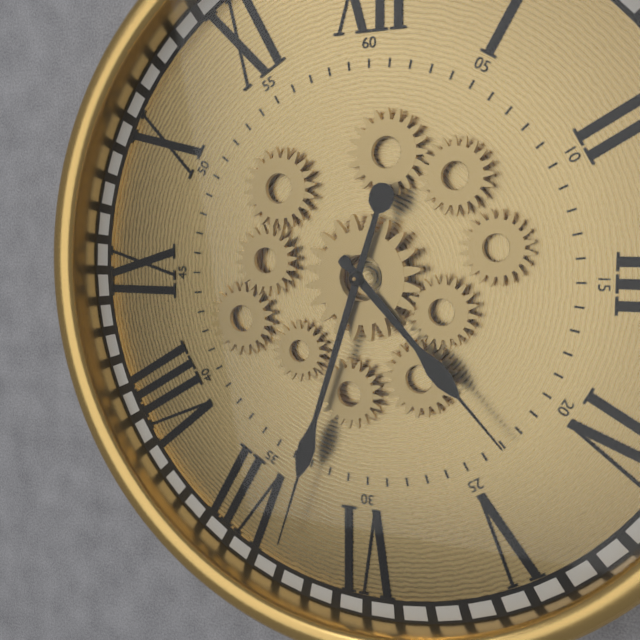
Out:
4.33
